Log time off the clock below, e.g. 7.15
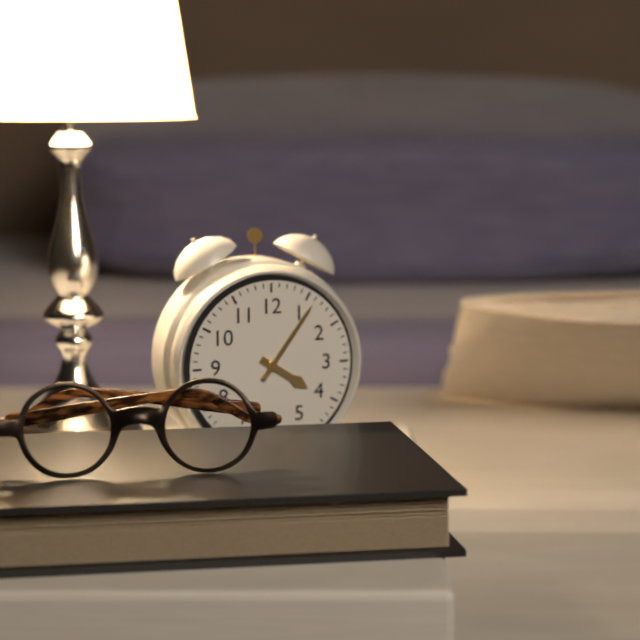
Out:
4.06
